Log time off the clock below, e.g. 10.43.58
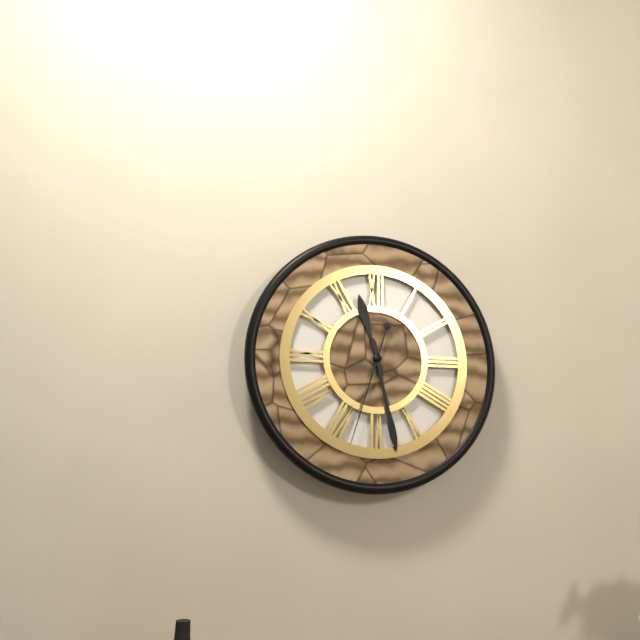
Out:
11.28.33
